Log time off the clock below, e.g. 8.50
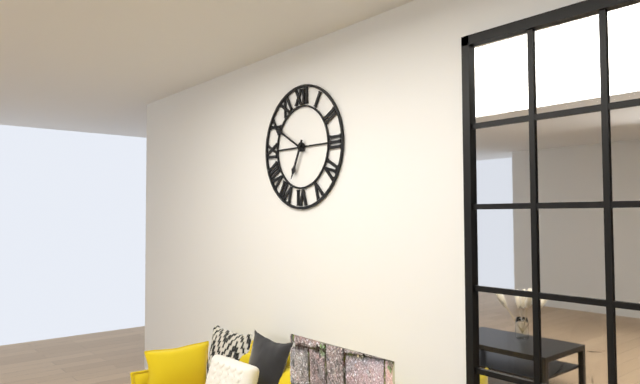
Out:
6.50
